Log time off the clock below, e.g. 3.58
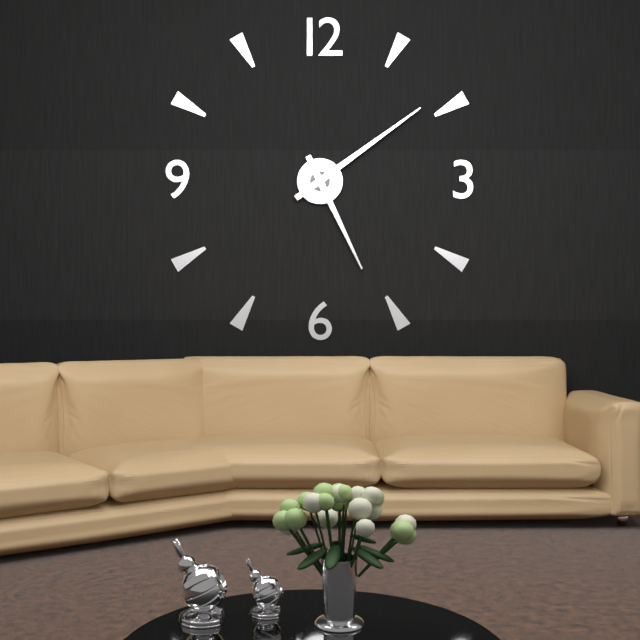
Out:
5.09
